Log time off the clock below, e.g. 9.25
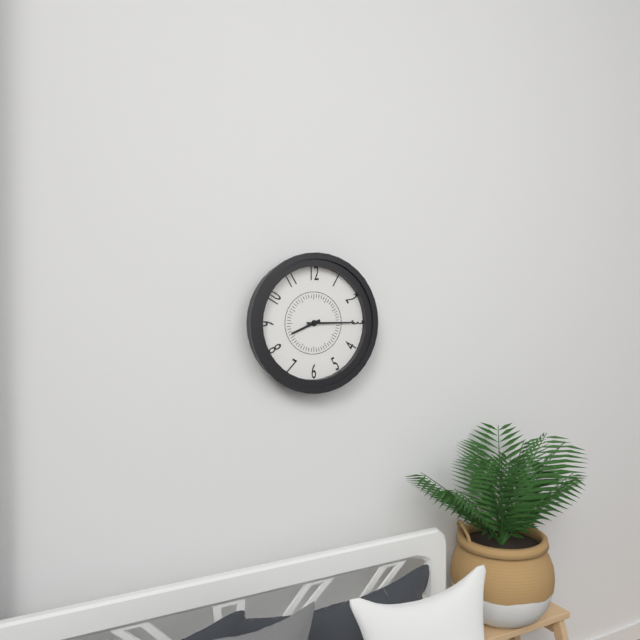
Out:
8.15
